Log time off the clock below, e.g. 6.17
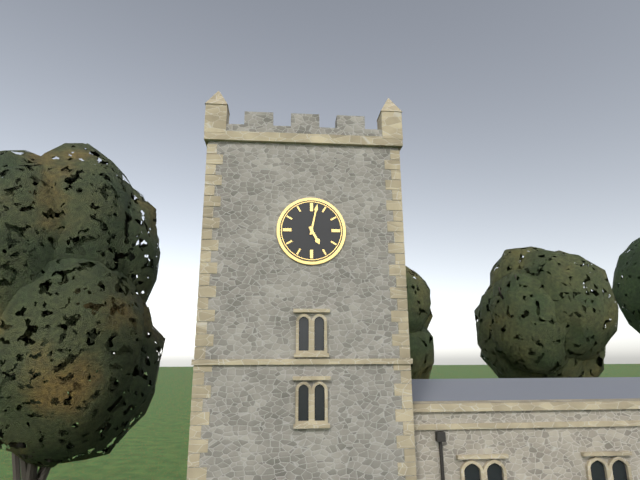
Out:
5.02
